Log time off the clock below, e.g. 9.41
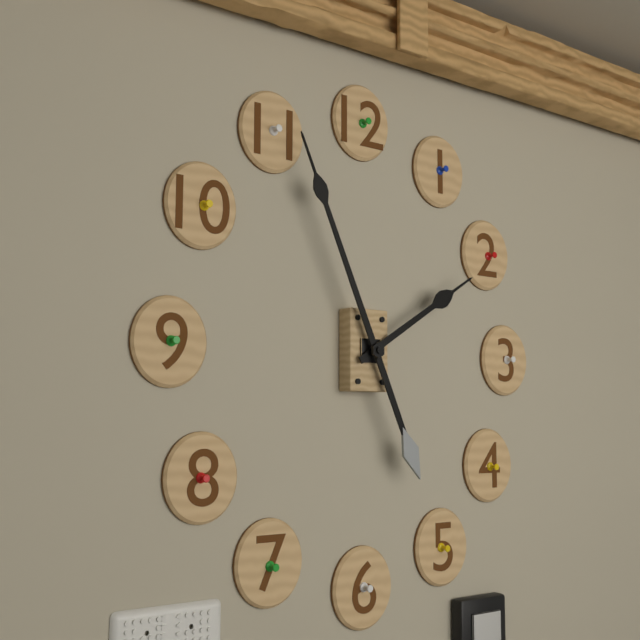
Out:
1.56
